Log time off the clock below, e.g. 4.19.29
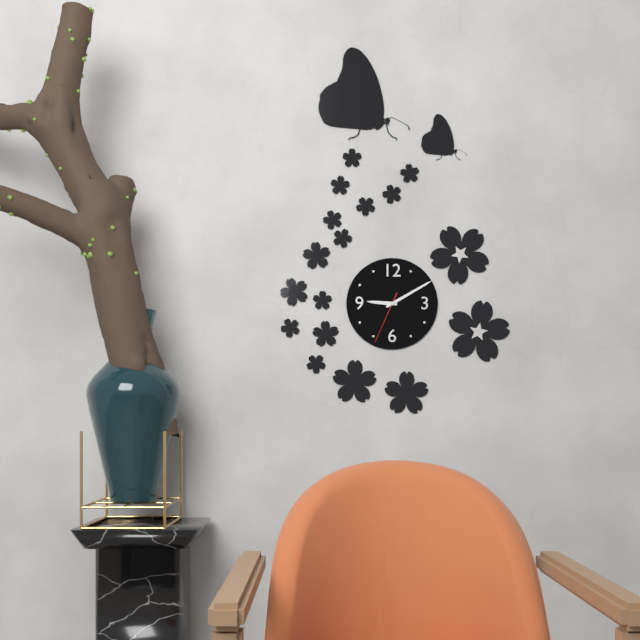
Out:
9.10.34
